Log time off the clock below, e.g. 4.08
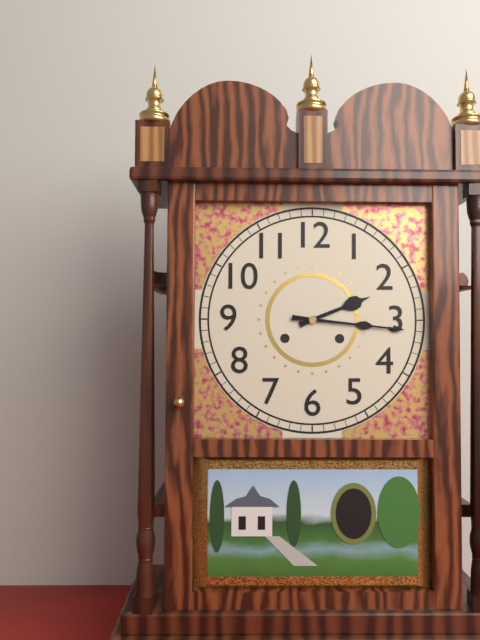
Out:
2.16
